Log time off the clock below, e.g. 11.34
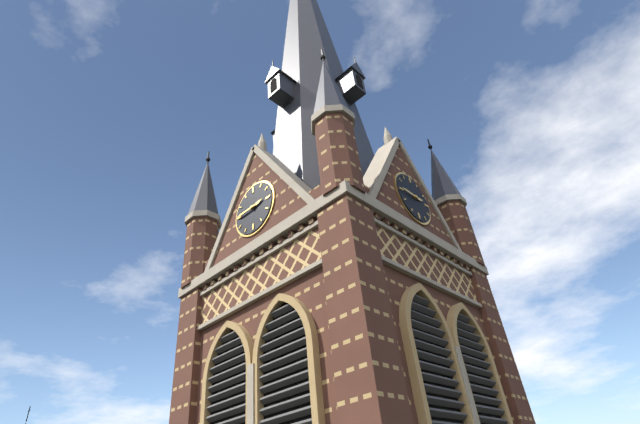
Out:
2.45
